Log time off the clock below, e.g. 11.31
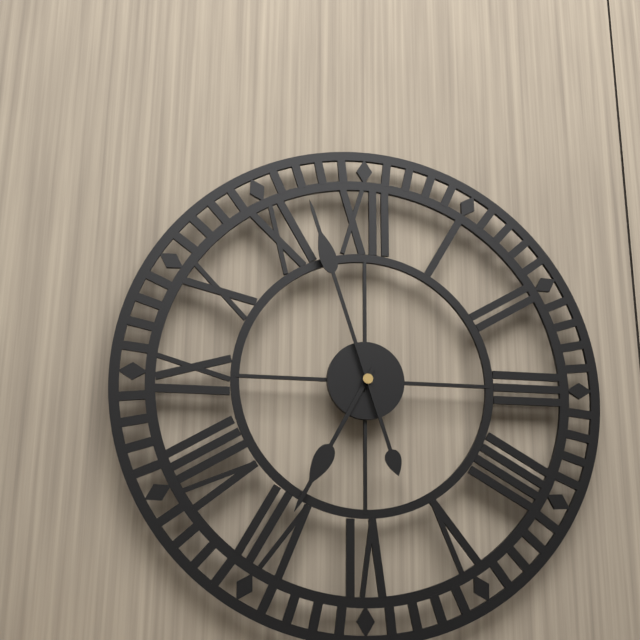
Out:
6.57
